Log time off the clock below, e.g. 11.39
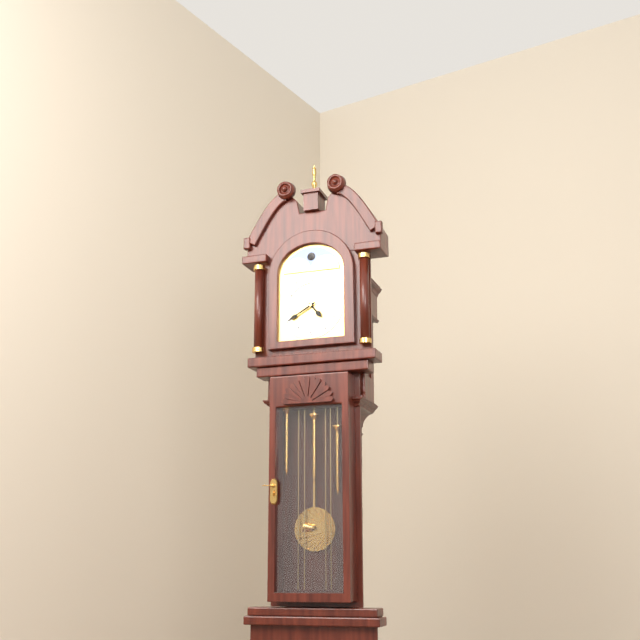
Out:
4.40
